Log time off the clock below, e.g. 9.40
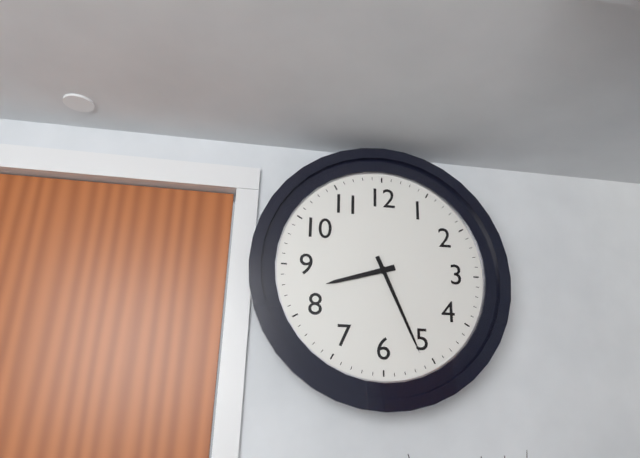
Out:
8.26
